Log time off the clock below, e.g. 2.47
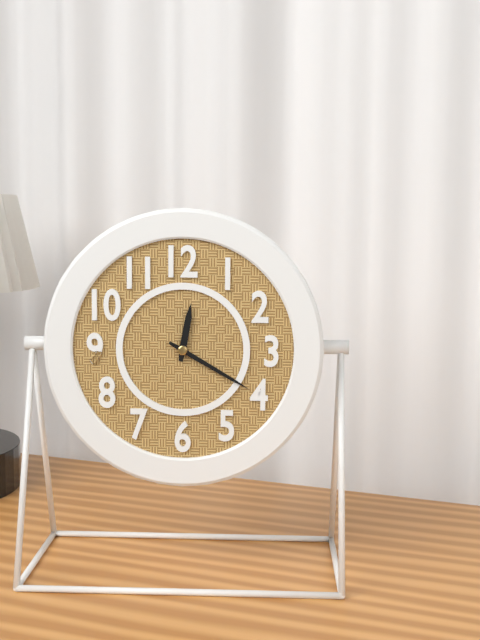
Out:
12.20
